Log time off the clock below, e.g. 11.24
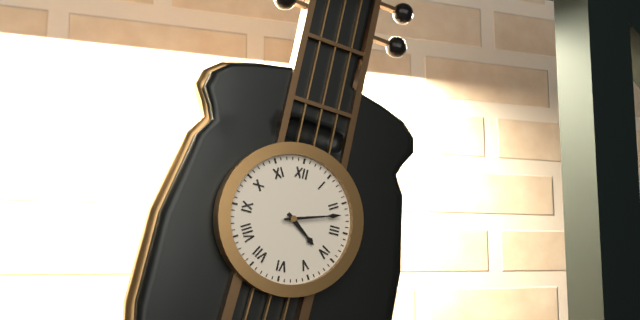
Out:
4.12
